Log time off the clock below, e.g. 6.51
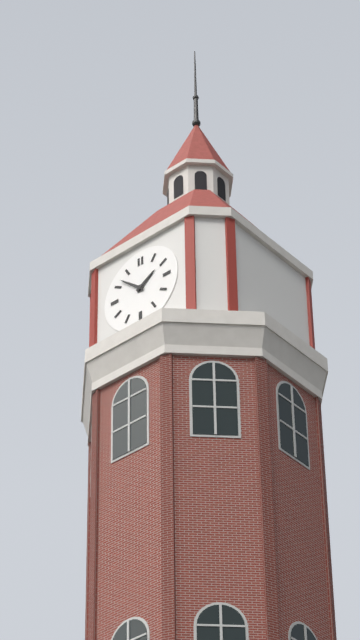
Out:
1.52
